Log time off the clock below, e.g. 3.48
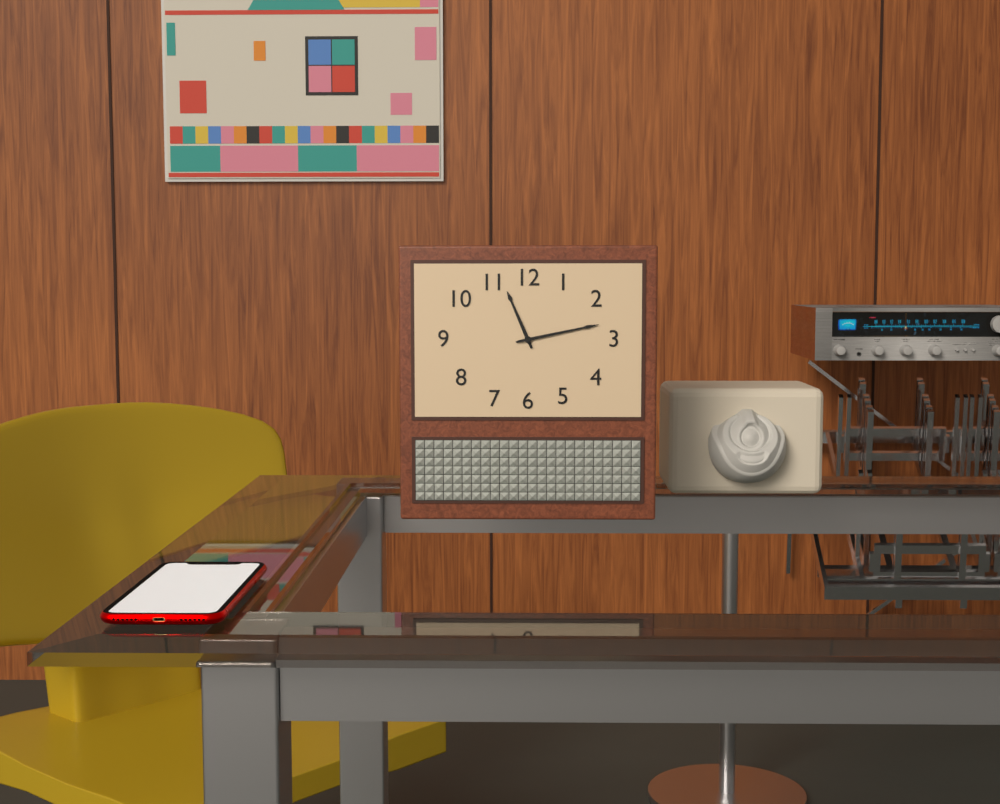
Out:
11.13
